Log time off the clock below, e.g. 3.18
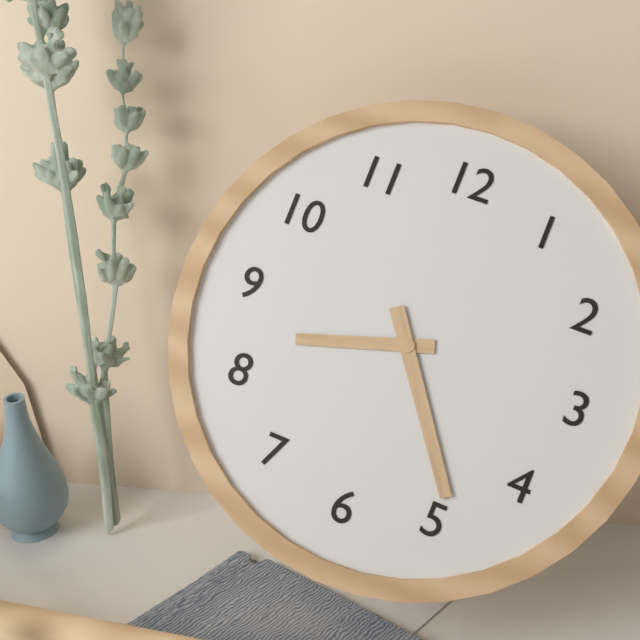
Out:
8.24
